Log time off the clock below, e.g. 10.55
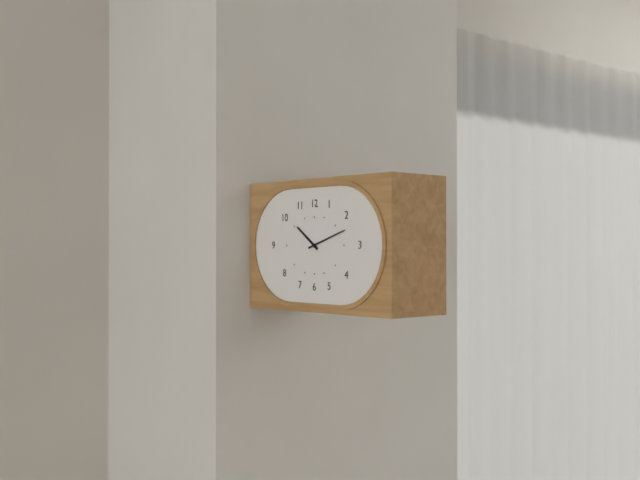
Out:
10.12
